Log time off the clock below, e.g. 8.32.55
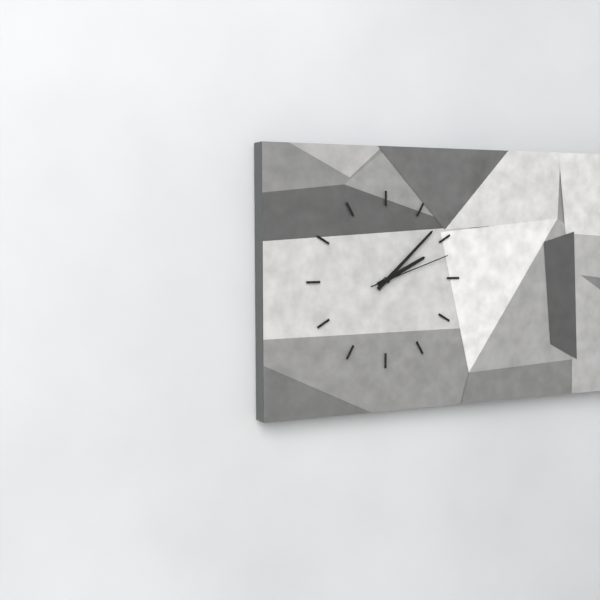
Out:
2.08.12
